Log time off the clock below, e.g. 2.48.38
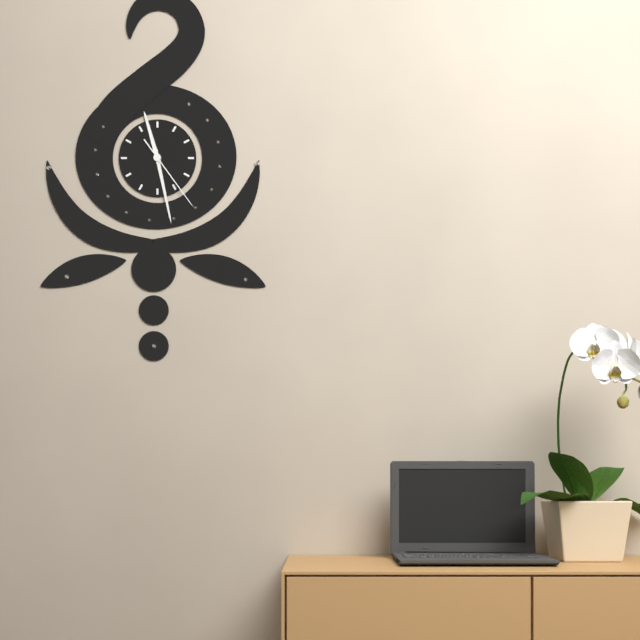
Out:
11.28.24
